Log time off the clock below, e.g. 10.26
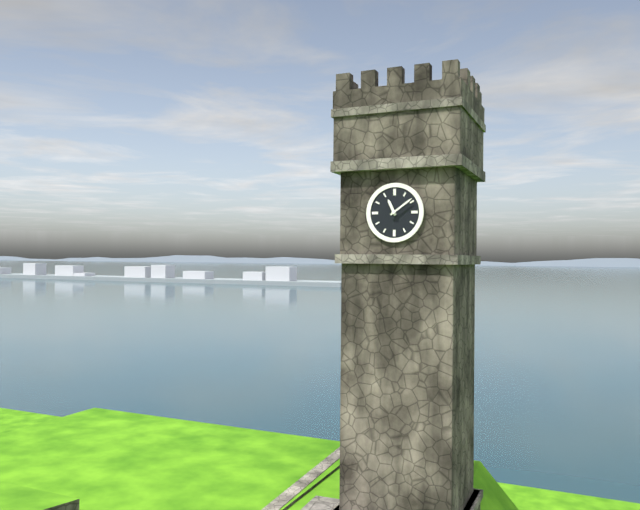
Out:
11.09
